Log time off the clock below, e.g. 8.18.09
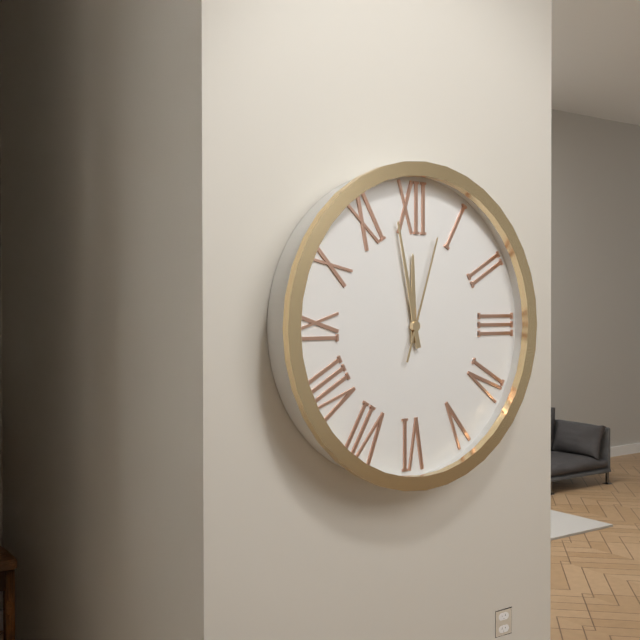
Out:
11.58.03
